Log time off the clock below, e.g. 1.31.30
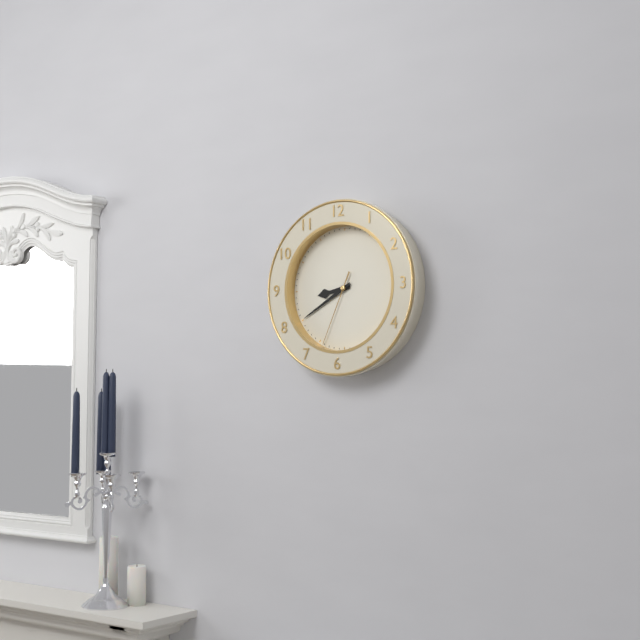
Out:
8.40.34
